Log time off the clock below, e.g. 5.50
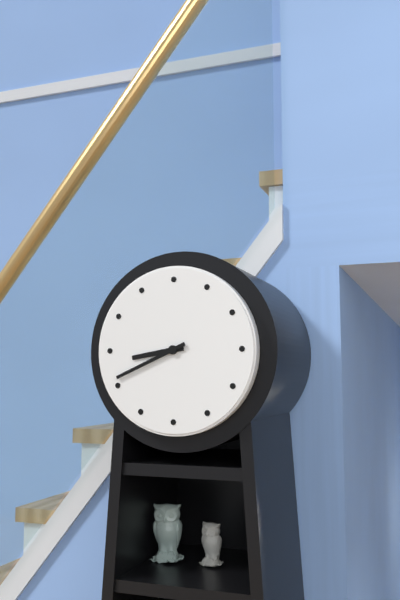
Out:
8.41
